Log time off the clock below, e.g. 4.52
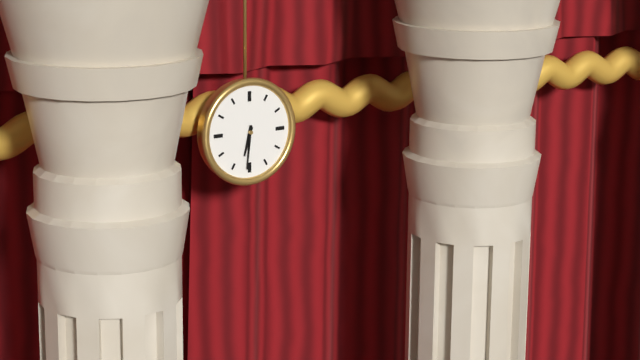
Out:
6.31
